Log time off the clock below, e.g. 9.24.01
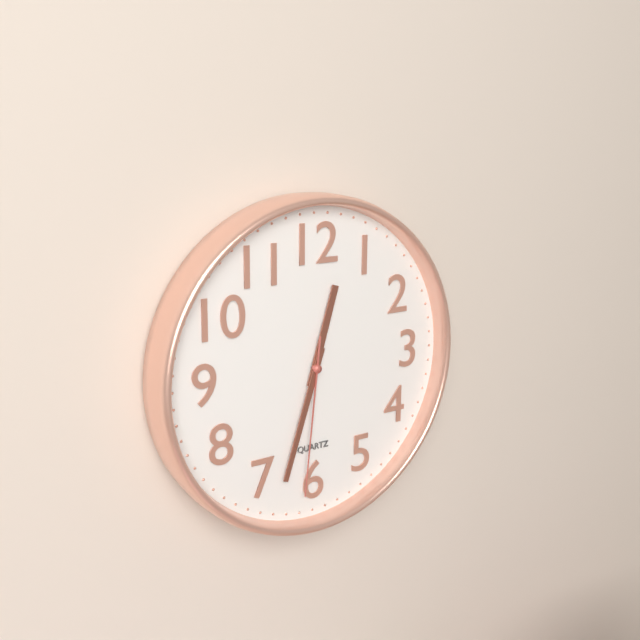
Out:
12.33.31
